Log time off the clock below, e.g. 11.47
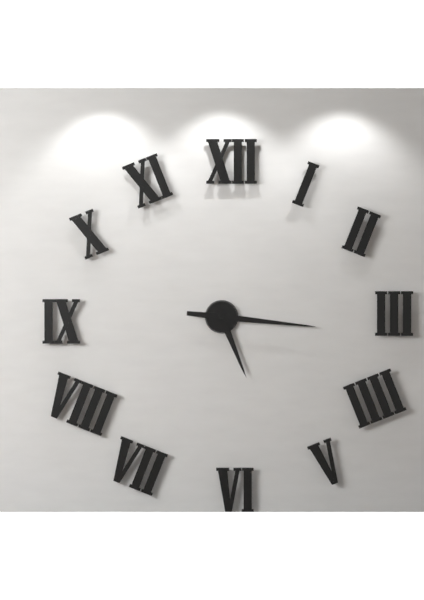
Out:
5.16
